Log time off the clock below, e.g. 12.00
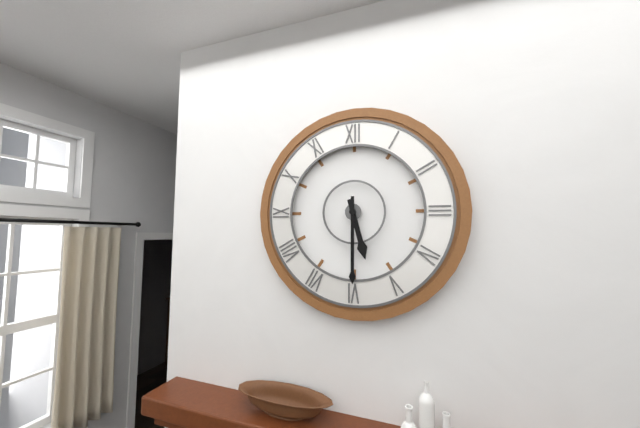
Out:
5.30
